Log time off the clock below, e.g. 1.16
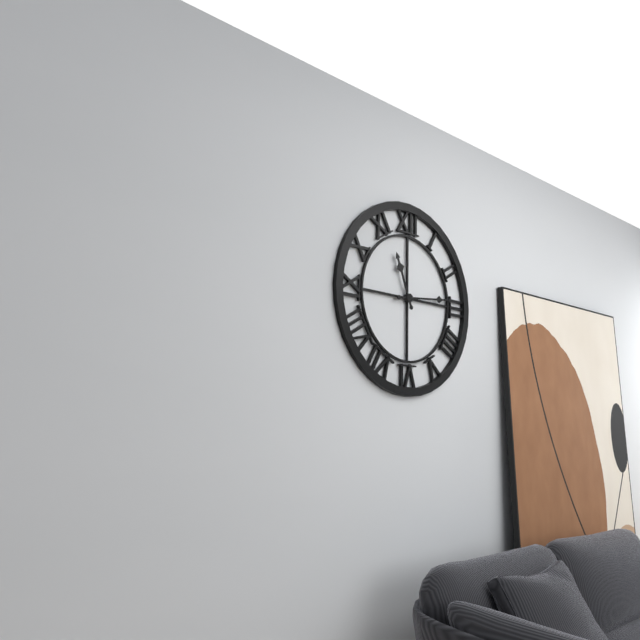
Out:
11.14
